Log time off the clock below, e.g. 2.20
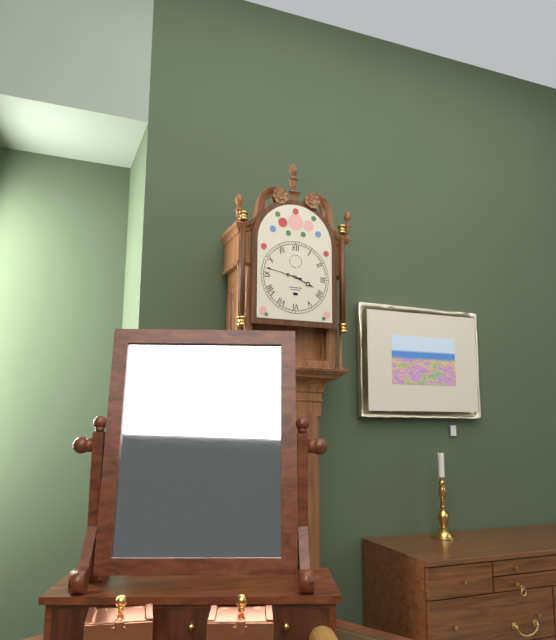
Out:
3.47
